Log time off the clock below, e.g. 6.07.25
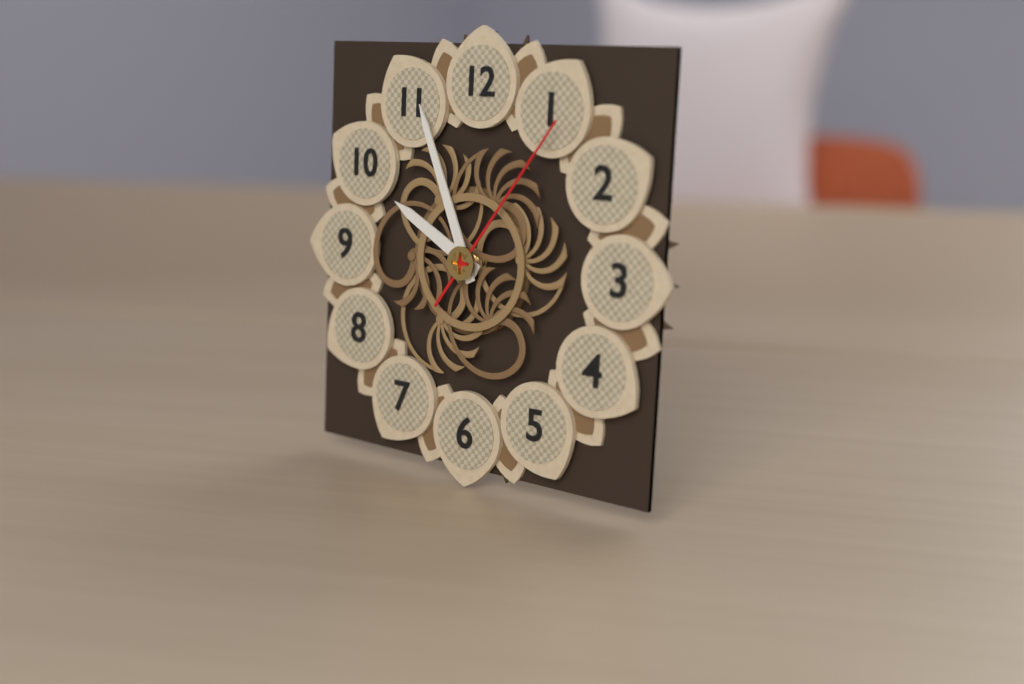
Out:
9.56.06
